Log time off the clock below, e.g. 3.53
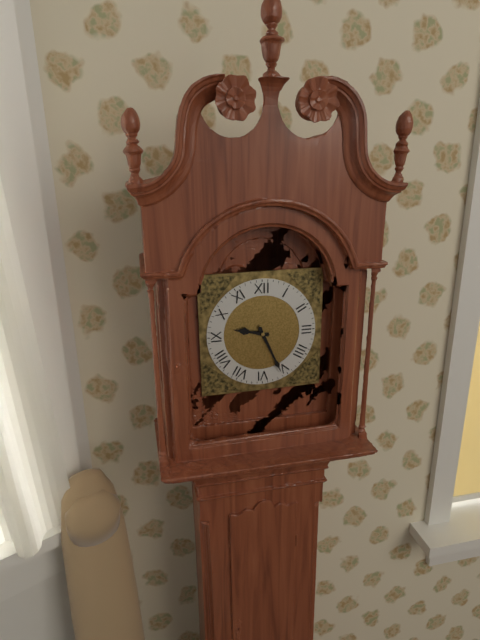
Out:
9.26
